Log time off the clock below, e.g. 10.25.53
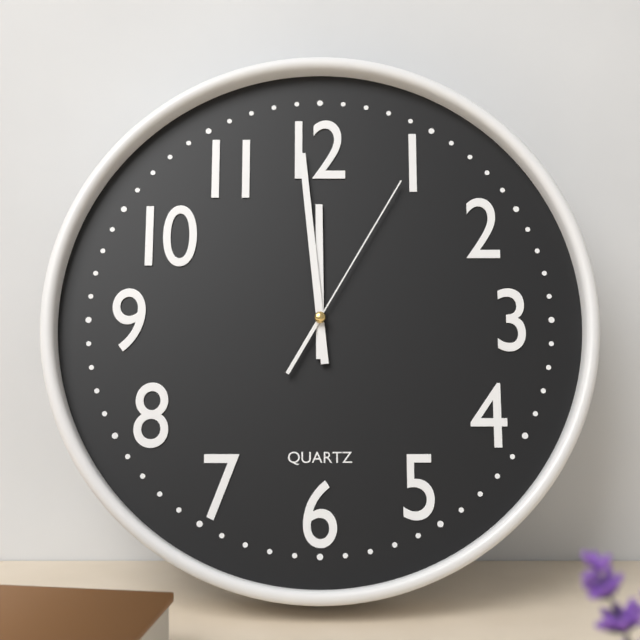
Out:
11.59.05
